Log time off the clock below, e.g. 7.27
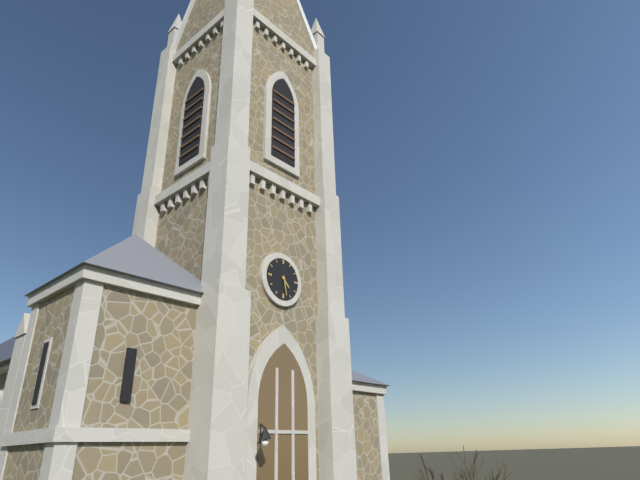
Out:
4.28
